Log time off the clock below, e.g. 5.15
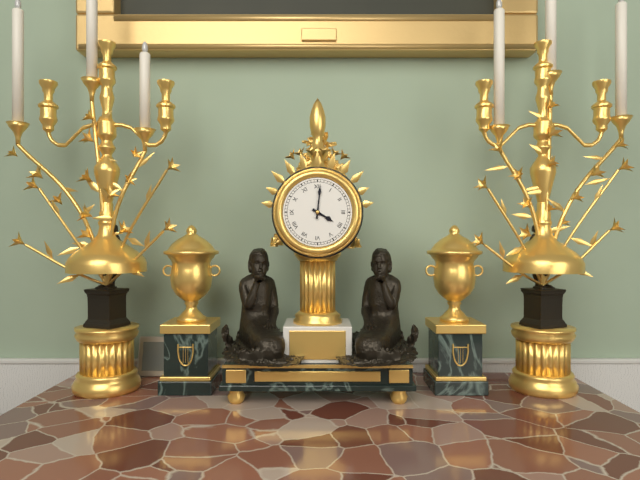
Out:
4.01
